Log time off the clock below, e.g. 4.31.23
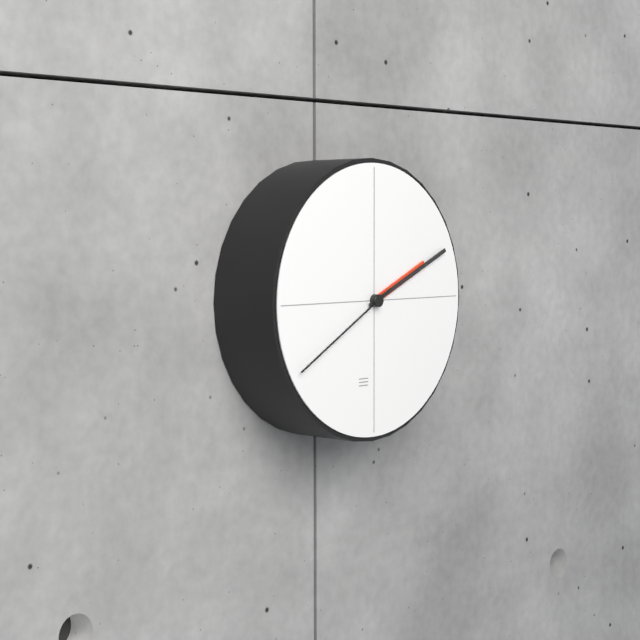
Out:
2.11.40
